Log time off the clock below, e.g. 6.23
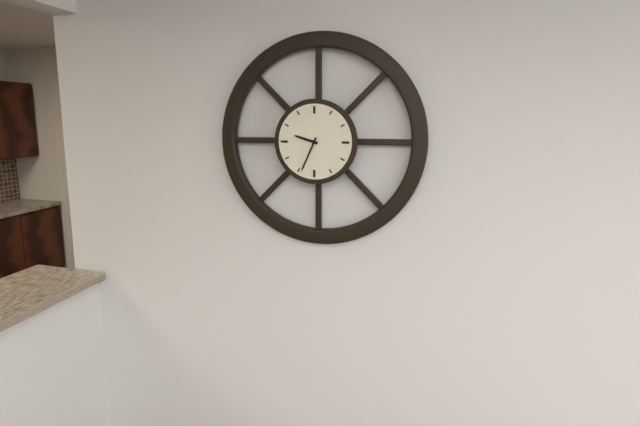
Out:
9.34
